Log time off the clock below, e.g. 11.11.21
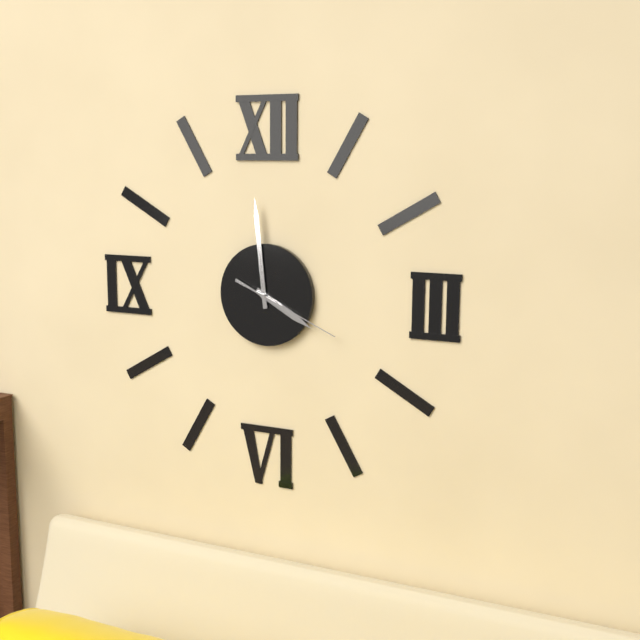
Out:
3.59.19
